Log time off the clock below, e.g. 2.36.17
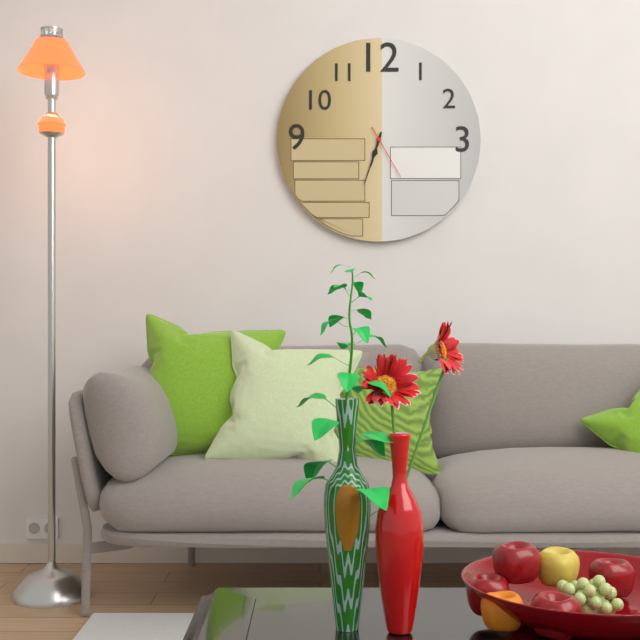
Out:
6.33.25
